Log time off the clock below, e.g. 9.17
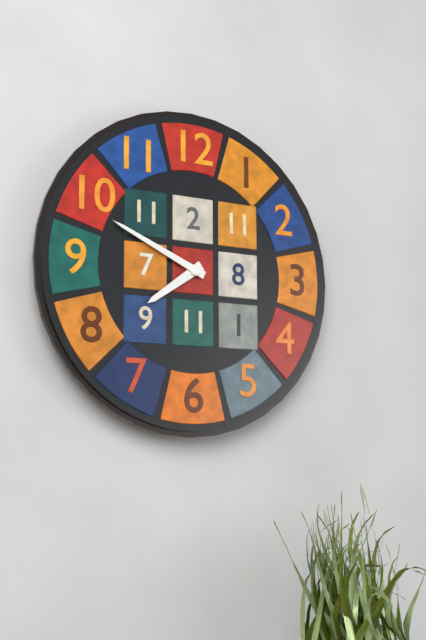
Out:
7.49
